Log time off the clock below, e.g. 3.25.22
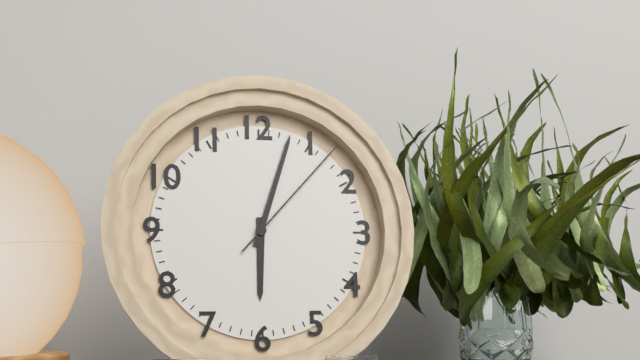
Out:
6.03.07
